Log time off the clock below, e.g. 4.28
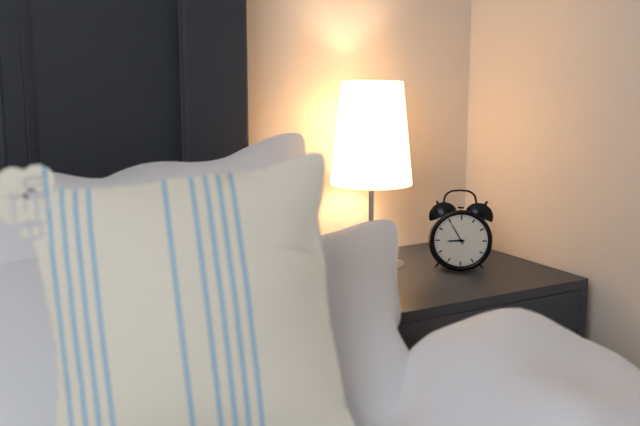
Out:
8.55
